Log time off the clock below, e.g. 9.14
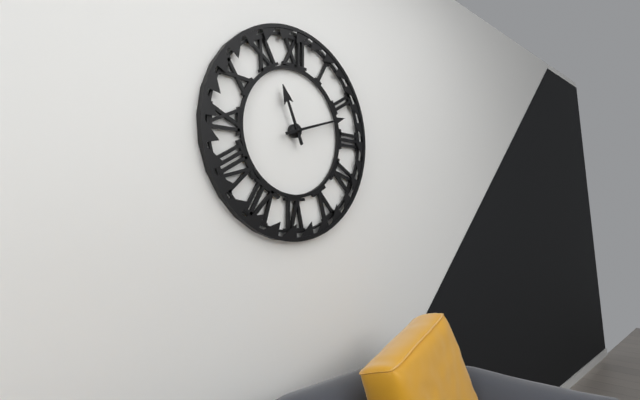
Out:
11.12
